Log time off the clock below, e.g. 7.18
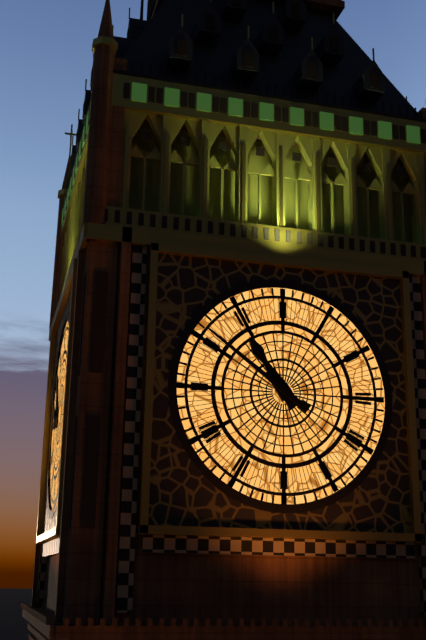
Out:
10.51
